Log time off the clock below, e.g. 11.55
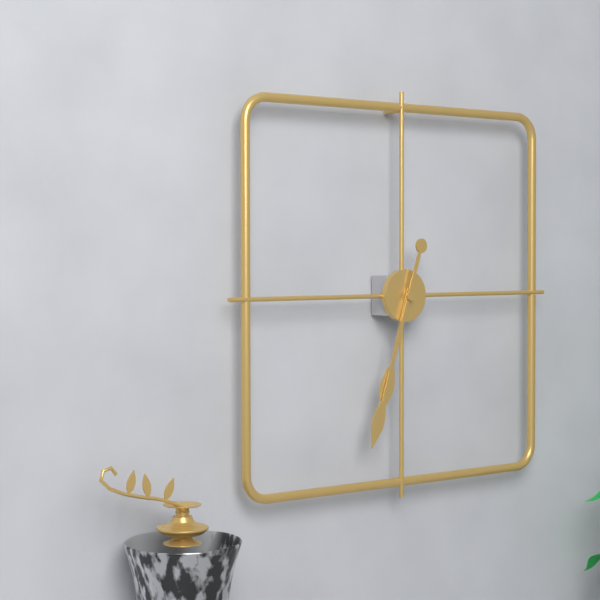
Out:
6.33
